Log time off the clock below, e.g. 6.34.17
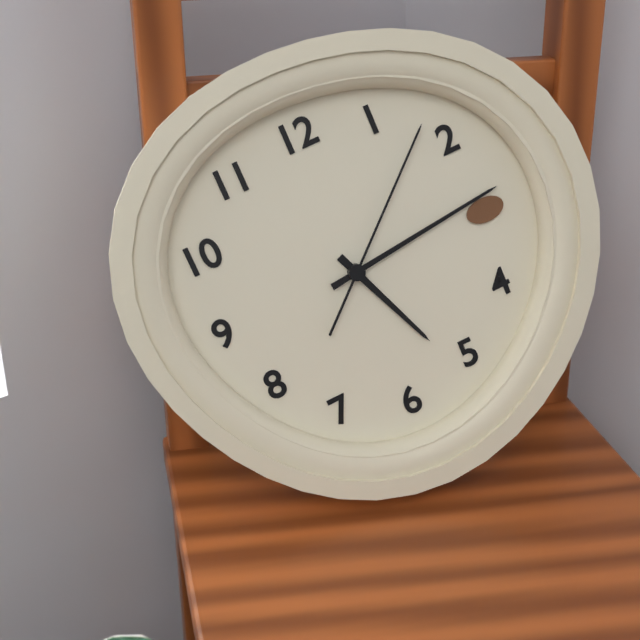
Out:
5.14.08
